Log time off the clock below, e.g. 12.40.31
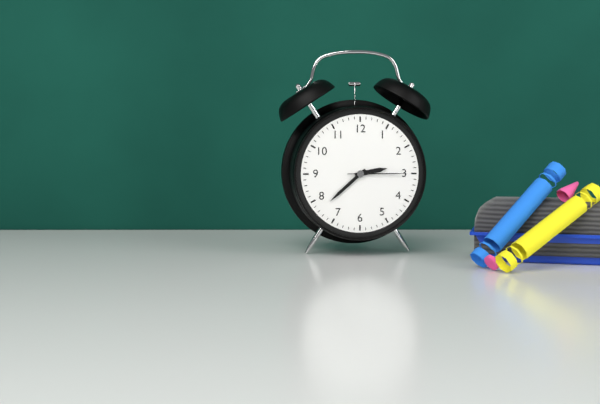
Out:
2.38.15
